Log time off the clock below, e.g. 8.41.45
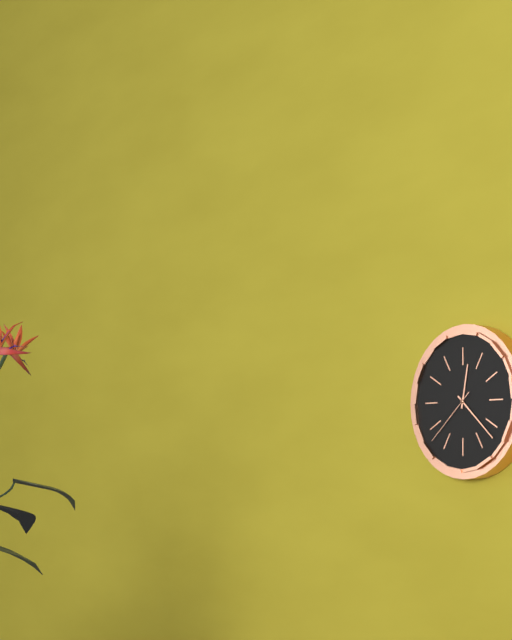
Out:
12.22.38
